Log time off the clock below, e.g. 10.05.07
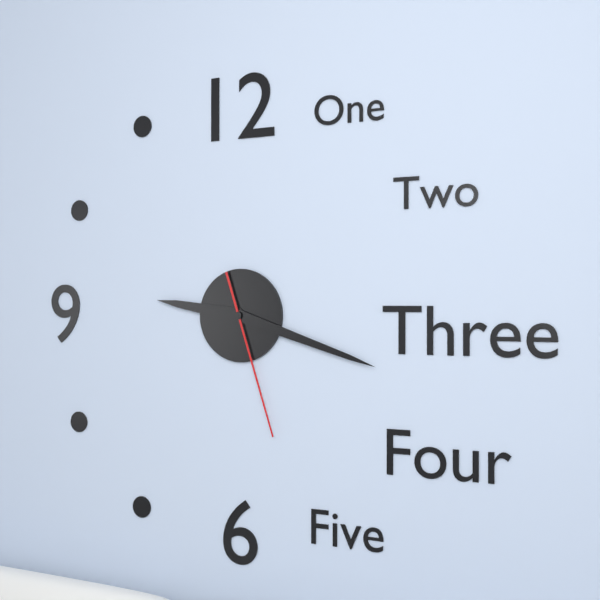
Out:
9.18.27
